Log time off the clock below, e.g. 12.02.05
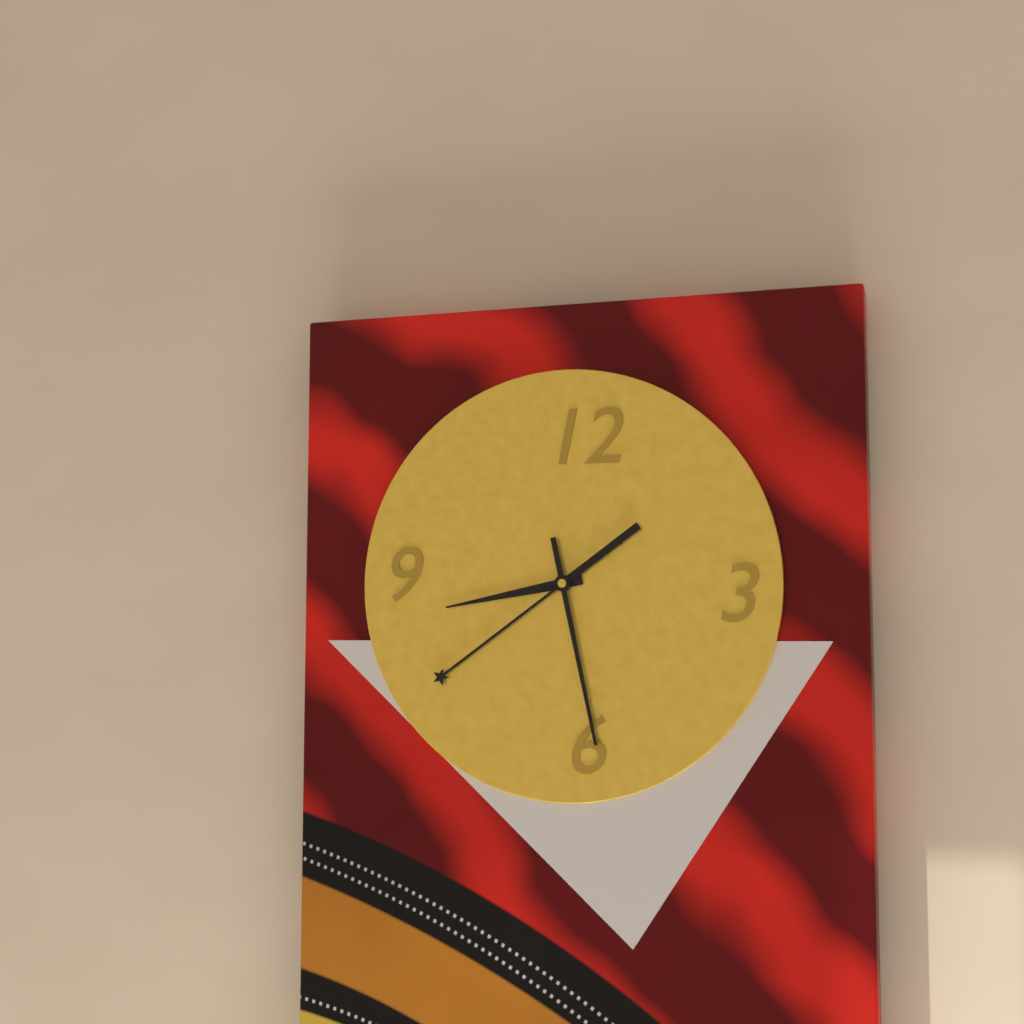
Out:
8.39.28
